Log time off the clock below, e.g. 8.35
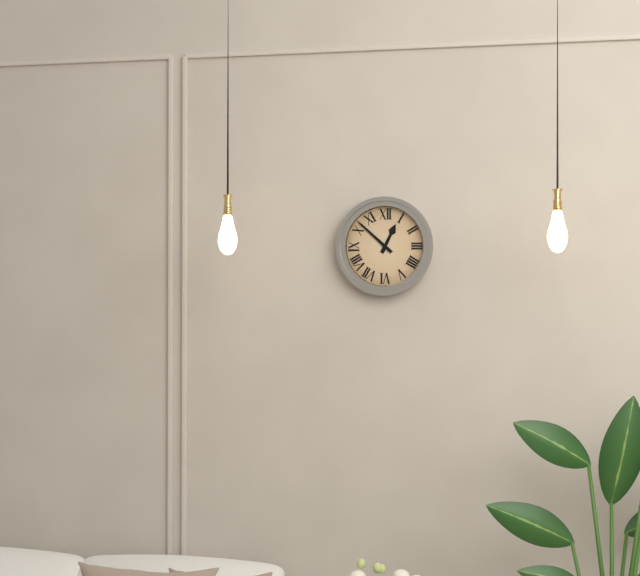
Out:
12.52
